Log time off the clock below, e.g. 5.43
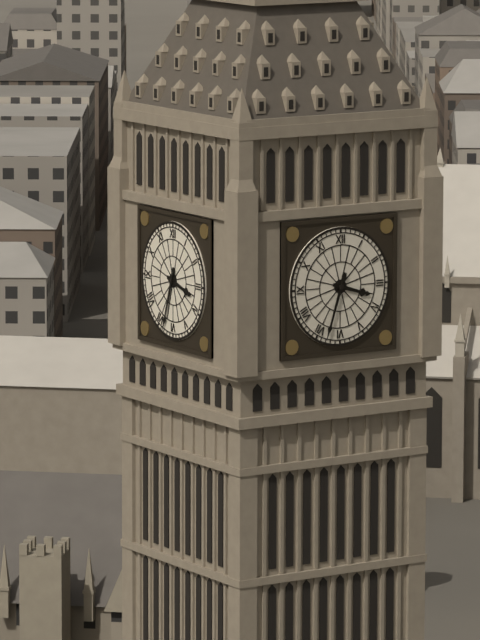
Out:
3.33
